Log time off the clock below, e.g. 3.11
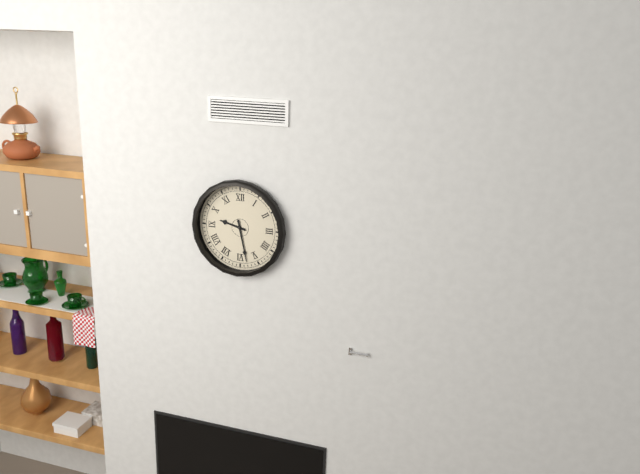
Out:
9.28
